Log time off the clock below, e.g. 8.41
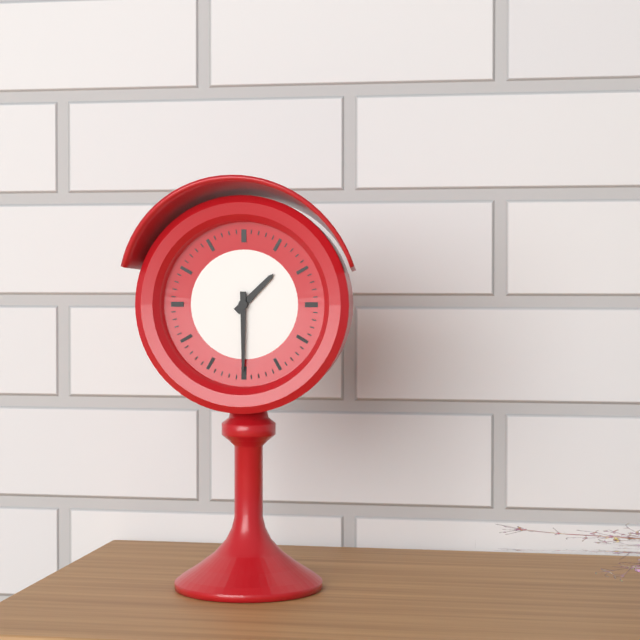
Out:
1.30
